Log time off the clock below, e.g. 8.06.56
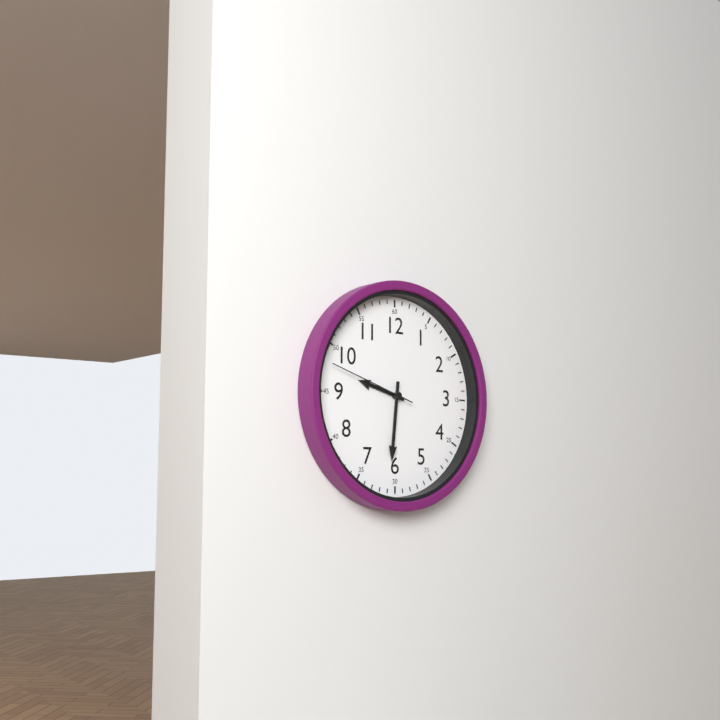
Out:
9.31.48
